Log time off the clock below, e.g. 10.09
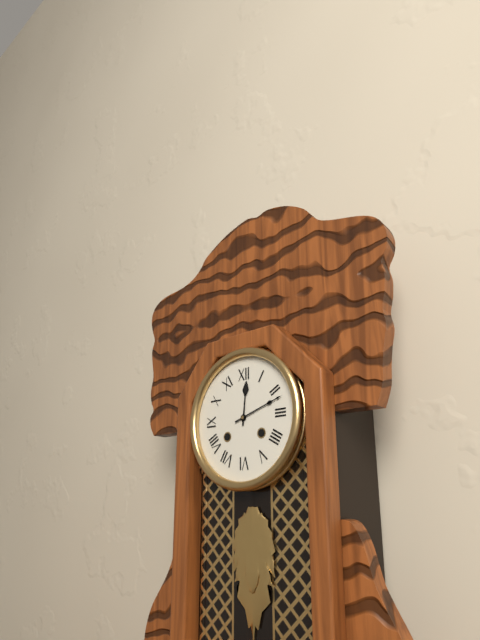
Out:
12.12
